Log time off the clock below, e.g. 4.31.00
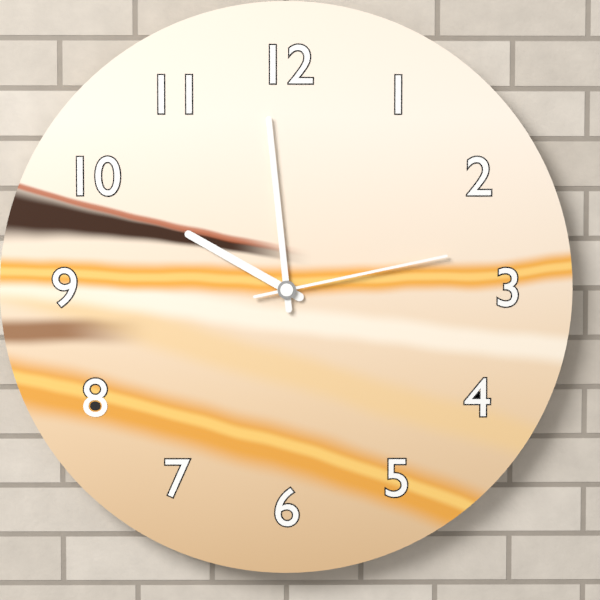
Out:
9.59.13
